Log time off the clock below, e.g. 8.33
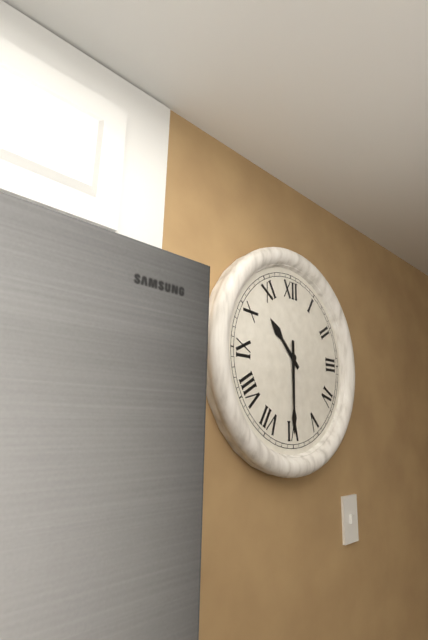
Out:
10.30
